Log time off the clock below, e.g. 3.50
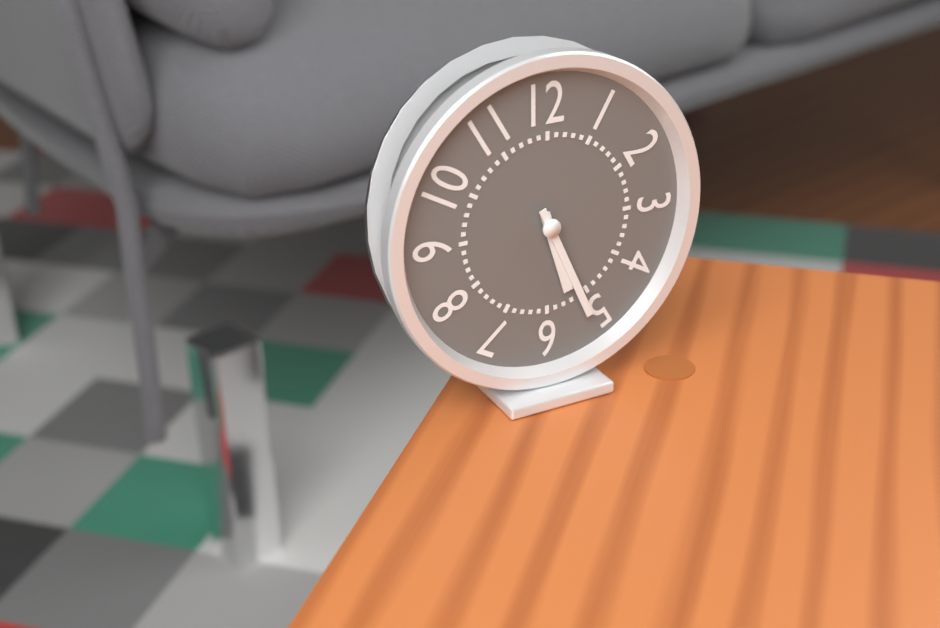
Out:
5.26
